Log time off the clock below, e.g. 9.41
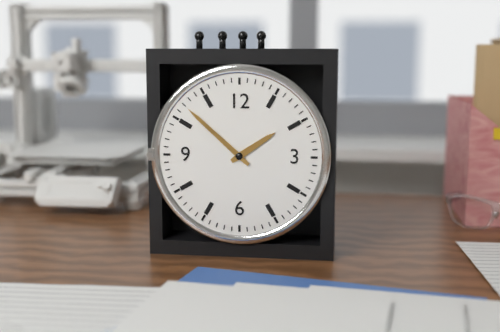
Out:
1.52
